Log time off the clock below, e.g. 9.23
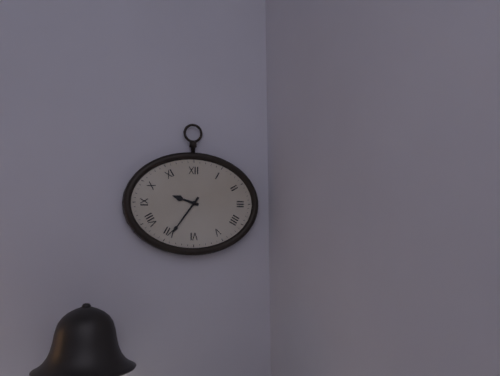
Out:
9.36
